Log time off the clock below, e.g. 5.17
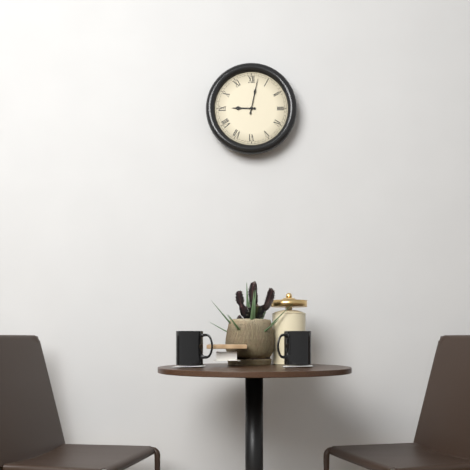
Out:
9.02
